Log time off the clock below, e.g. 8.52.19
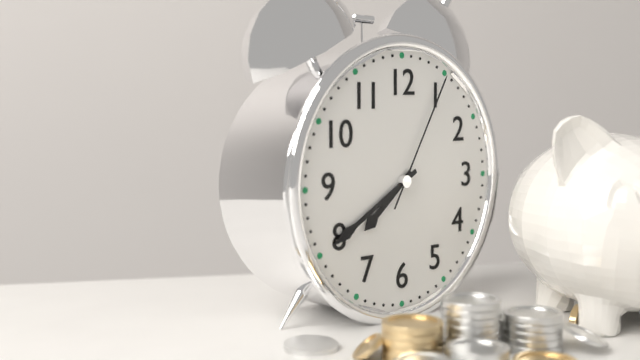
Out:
7.40.05
